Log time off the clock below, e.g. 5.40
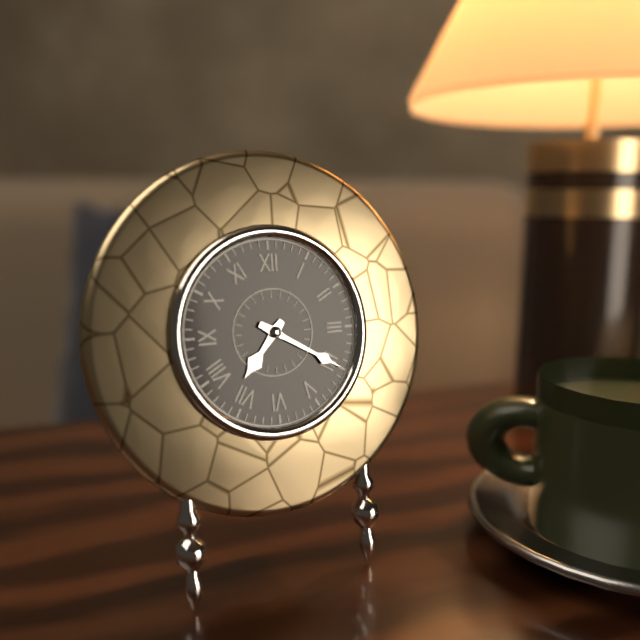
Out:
7.20
